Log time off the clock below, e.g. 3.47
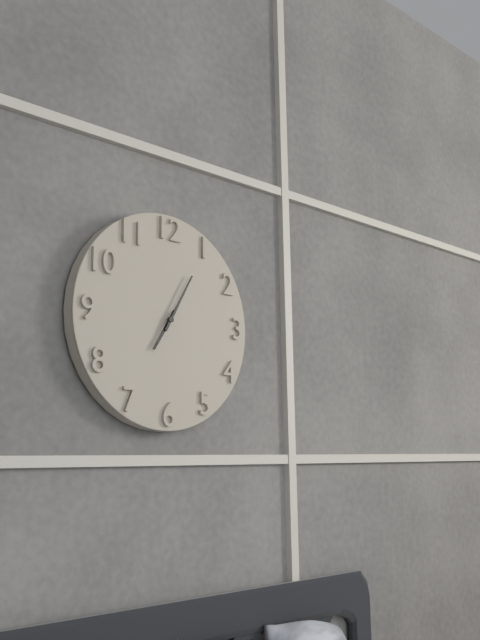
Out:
7.05
